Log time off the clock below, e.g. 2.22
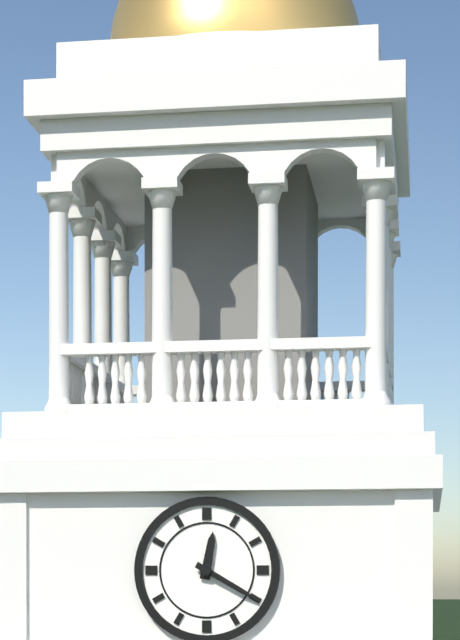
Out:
12.20
